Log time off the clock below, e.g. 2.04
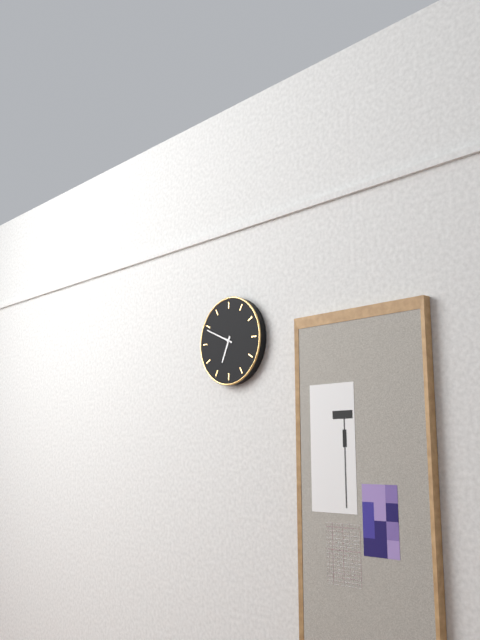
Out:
6.49
